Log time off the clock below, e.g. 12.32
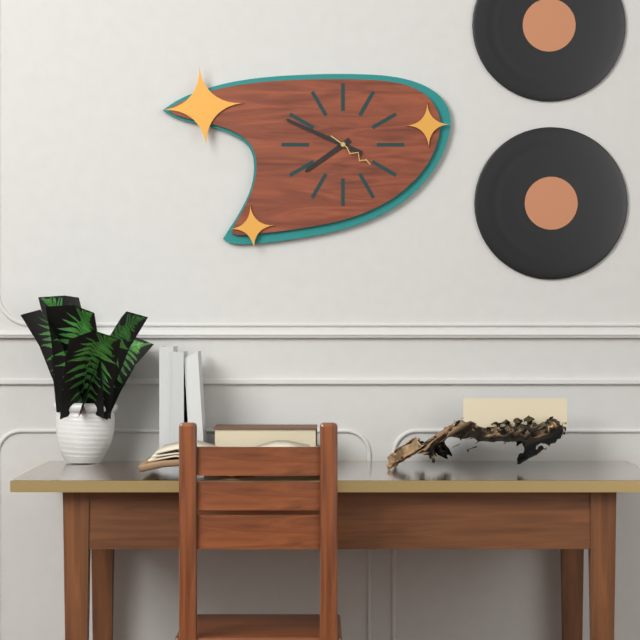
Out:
7.49
